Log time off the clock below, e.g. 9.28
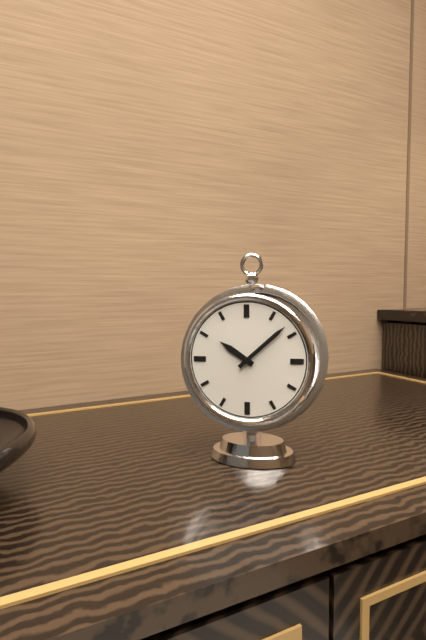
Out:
10.08
